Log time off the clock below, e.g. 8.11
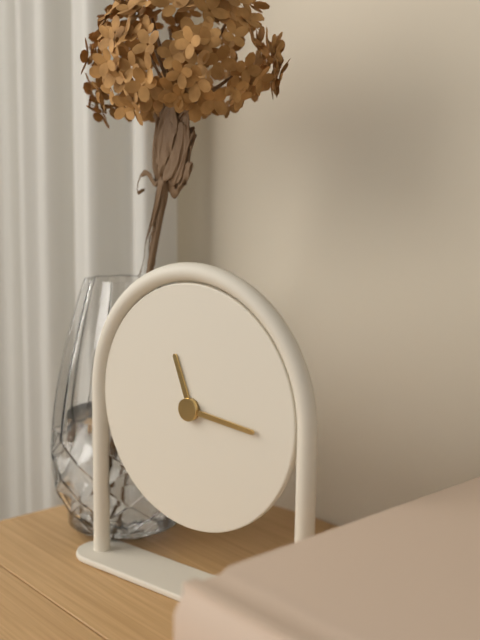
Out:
11.16
